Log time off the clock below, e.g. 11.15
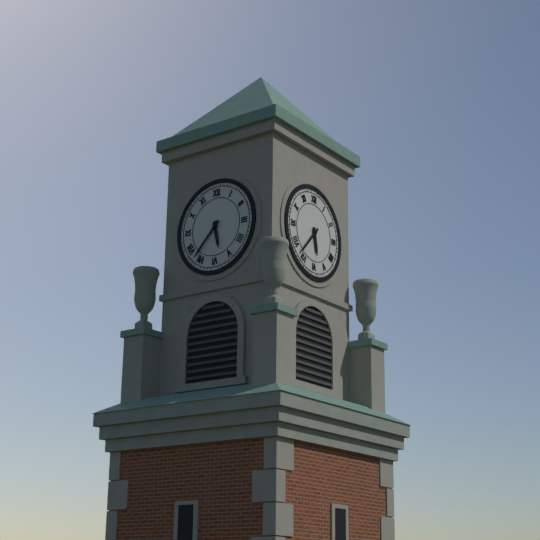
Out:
5.37
